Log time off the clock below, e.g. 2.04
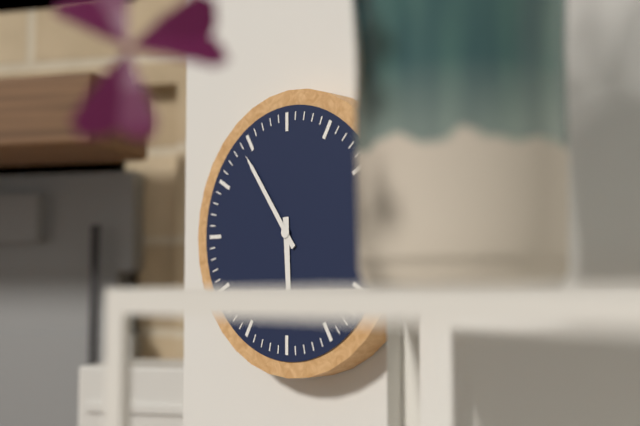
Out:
5.54
